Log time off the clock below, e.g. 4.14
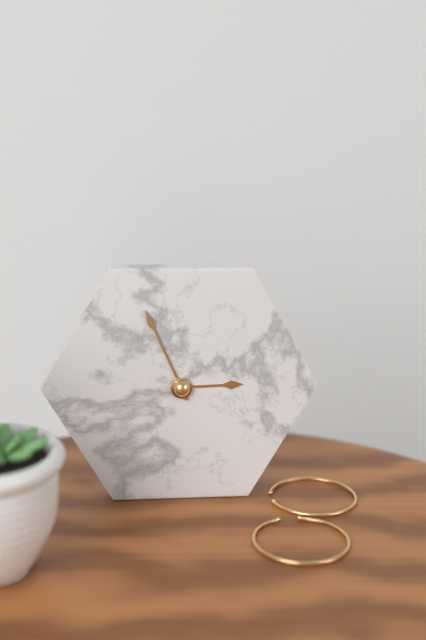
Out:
2.56
